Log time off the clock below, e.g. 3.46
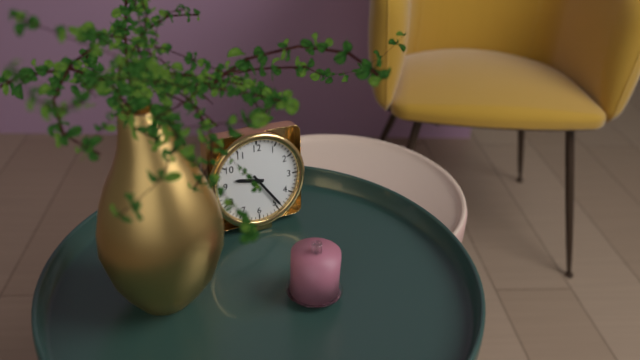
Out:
9.24
